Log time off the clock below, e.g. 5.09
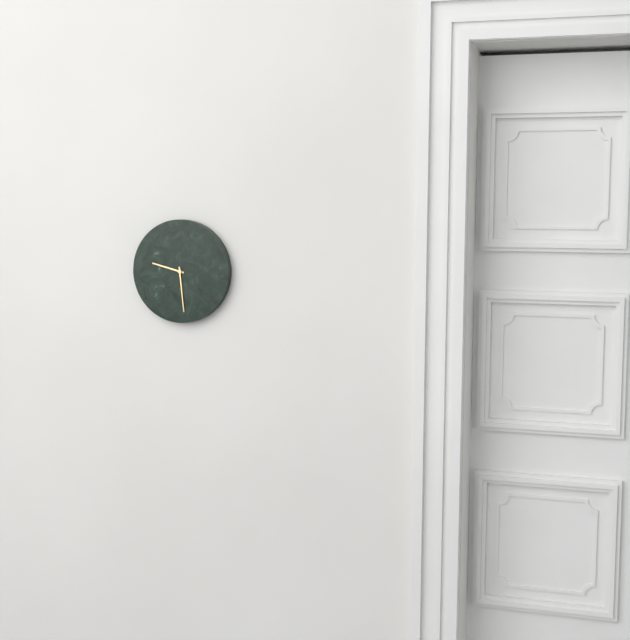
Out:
9.29
